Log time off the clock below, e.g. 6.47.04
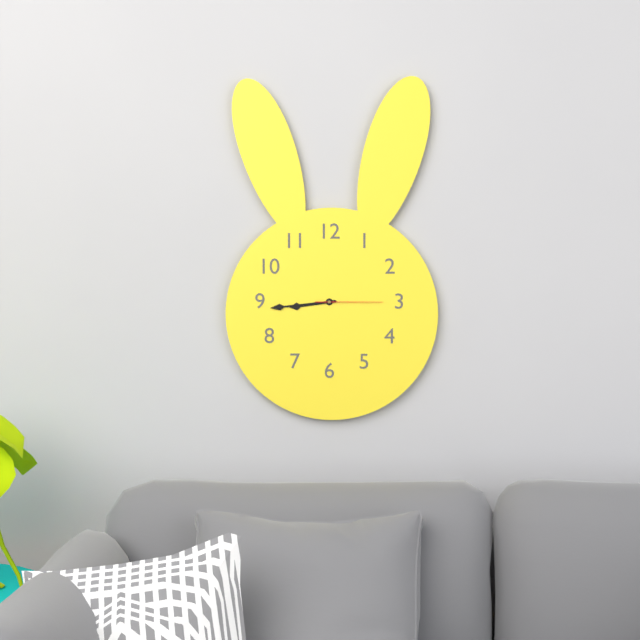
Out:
8.44.15
